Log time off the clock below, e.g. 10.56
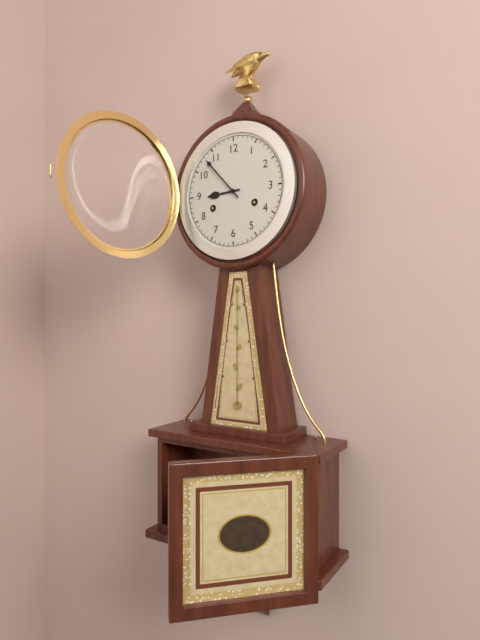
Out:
8.53
